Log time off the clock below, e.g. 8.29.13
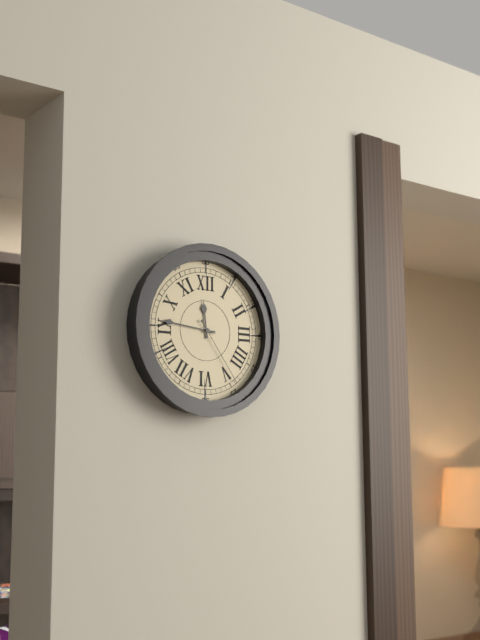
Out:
11.46.24
